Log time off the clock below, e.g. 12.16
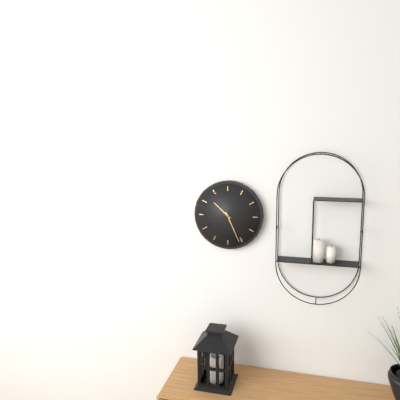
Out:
10.26
